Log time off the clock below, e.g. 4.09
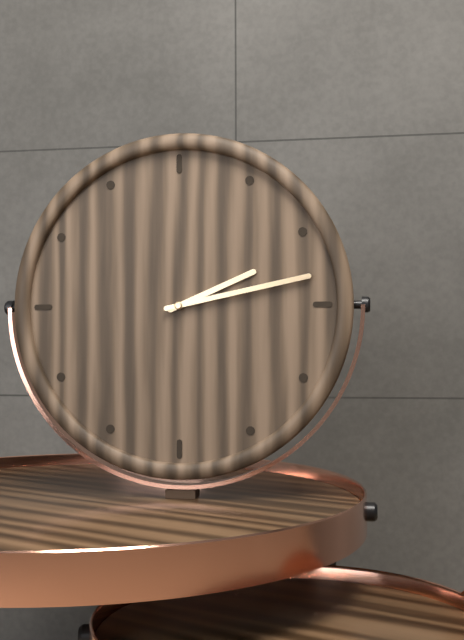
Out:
2.13
